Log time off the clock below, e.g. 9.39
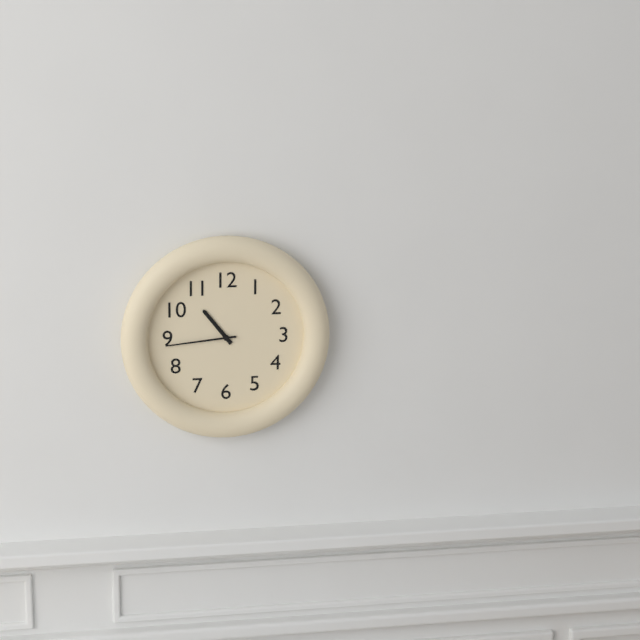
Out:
10.44
